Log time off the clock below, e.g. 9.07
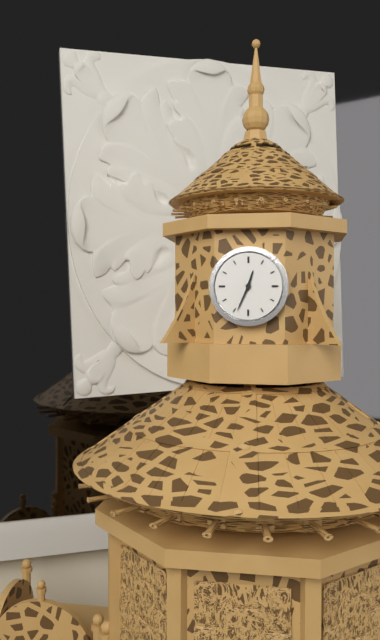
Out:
12.34
